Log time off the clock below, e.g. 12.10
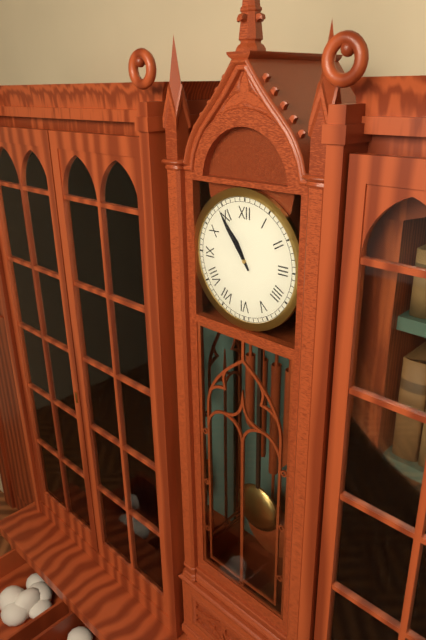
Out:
10.54
